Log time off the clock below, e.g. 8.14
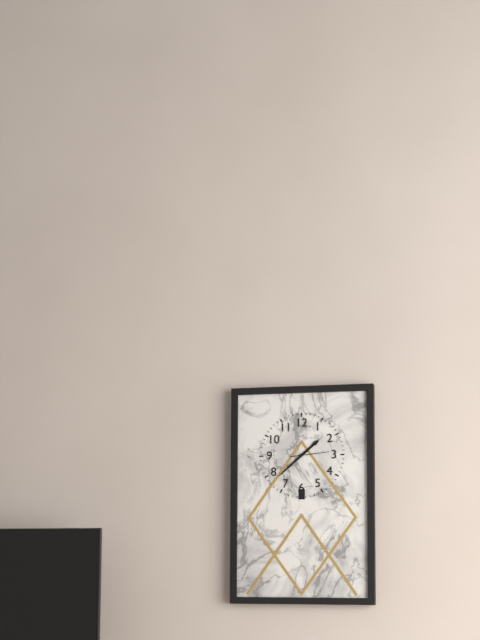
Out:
1.38
